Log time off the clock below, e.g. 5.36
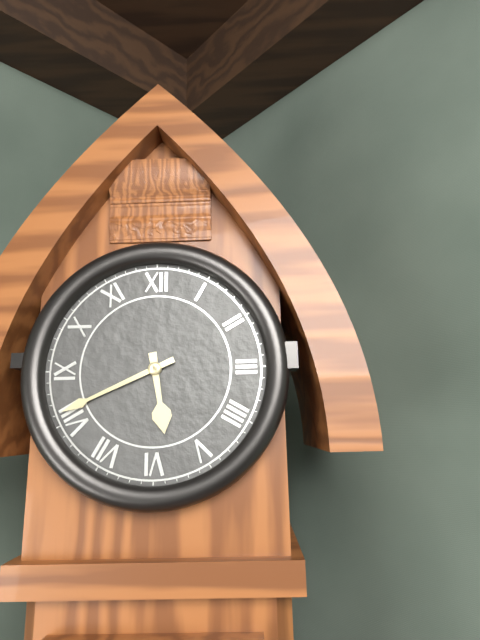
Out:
5.41
